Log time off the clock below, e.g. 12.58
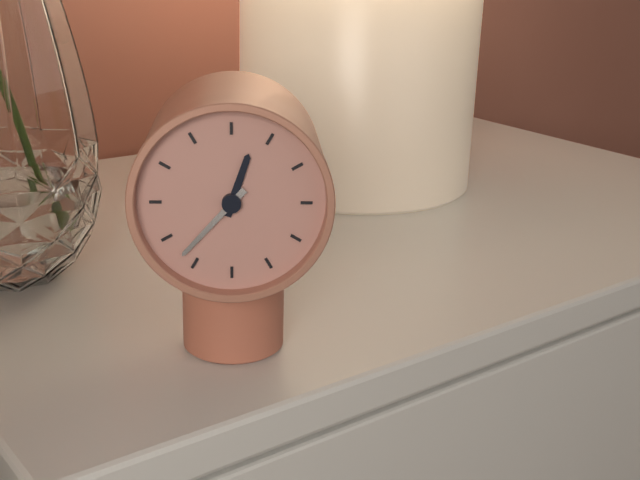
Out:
12.37
